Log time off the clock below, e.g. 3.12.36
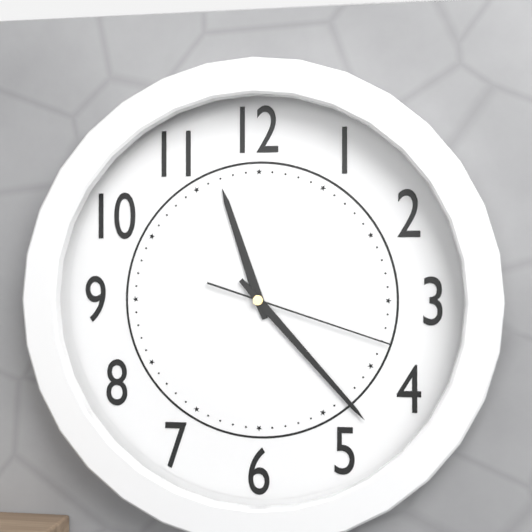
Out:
11.23.18
